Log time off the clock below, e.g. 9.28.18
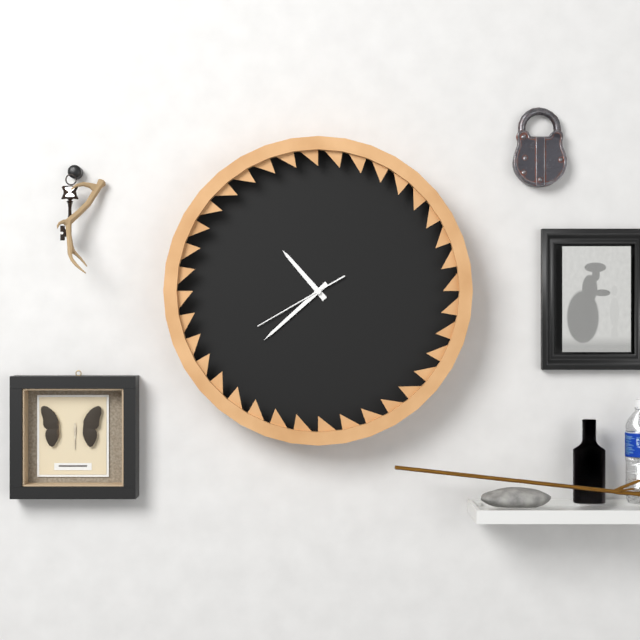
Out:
10.38.40
